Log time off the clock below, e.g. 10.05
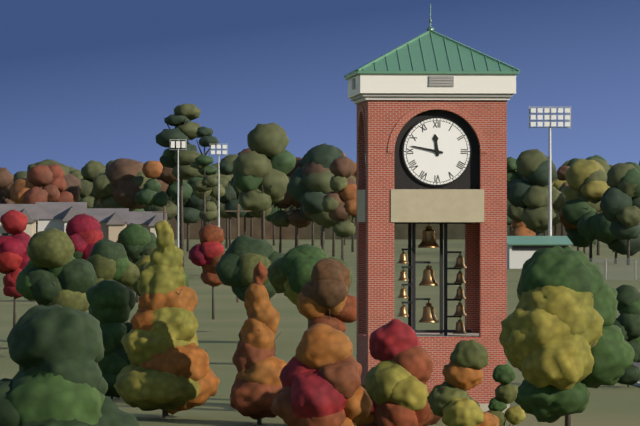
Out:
11.47
